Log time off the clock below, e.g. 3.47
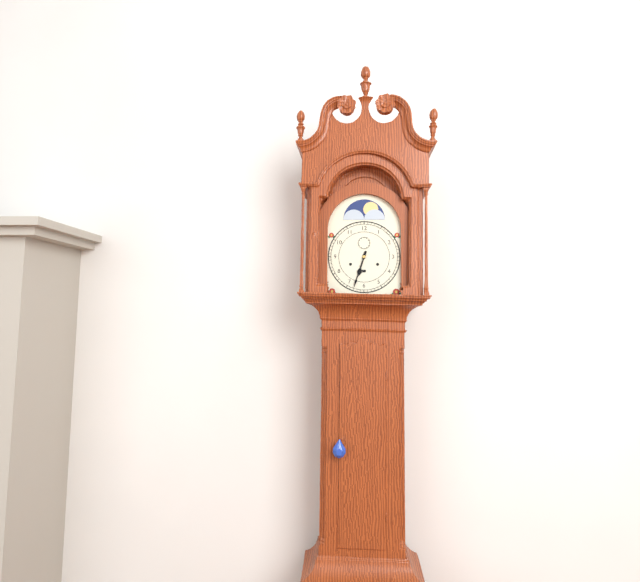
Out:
6.33
